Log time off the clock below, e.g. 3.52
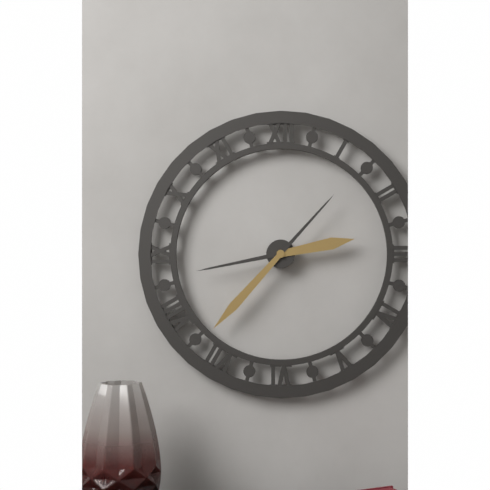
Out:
2.37
